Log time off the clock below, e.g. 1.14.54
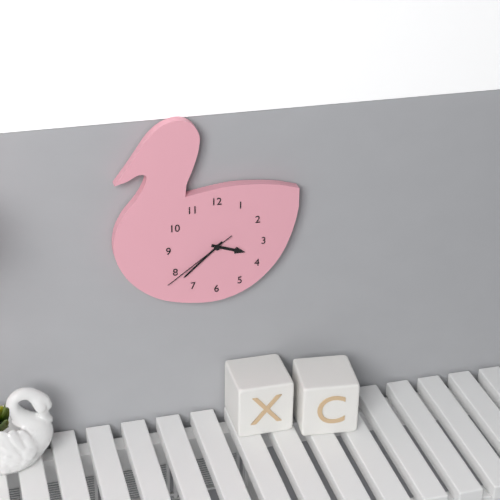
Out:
3.38.39
